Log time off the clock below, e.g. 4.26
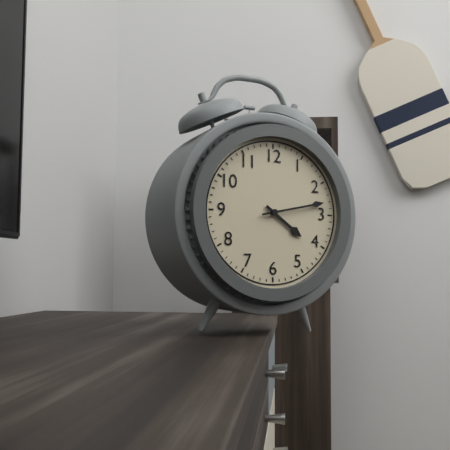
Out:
4.13
